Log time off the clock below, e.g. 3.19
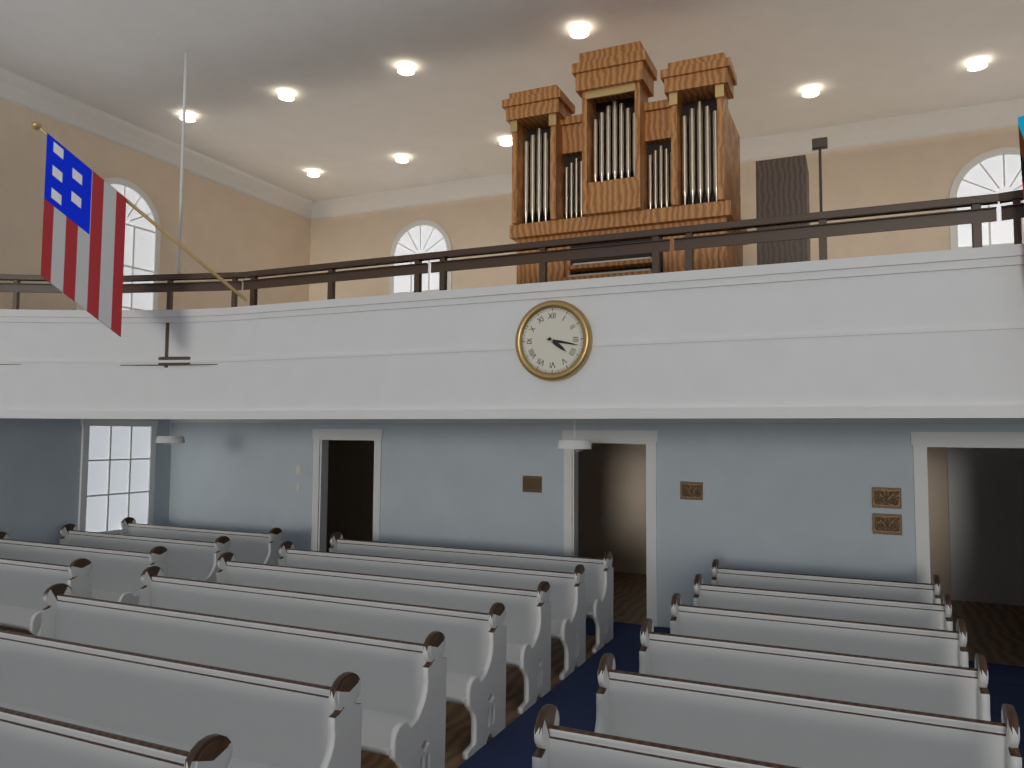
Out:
4.17
